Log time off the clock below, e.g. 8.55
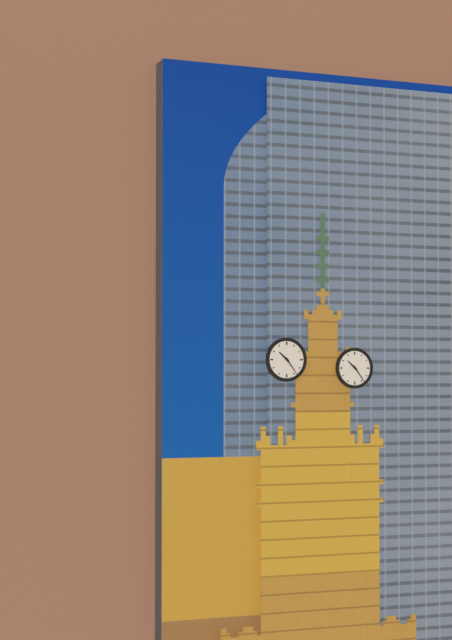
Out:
10.24
